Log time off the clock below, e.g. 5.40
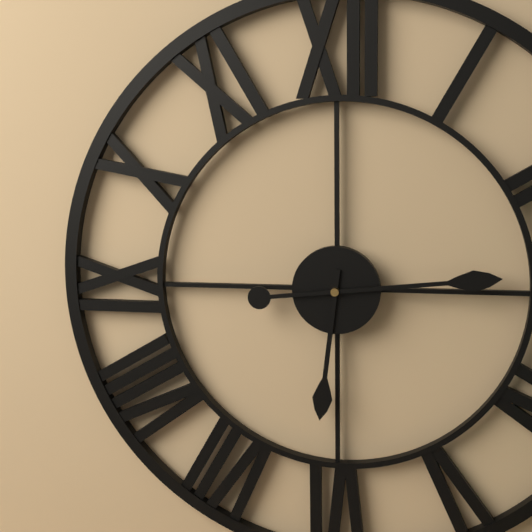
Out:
6.14
